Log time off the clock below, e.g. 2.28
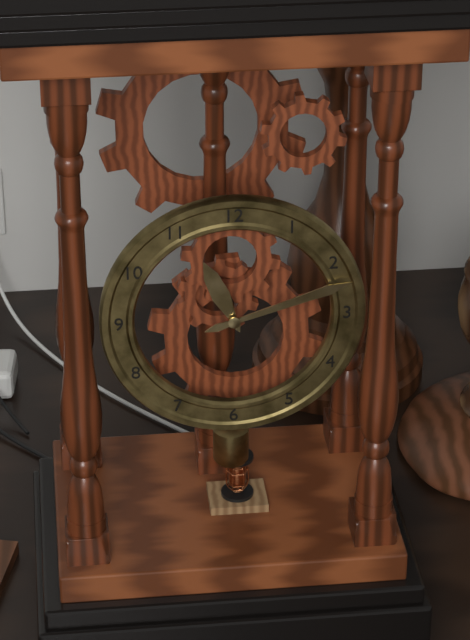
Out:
11.12
